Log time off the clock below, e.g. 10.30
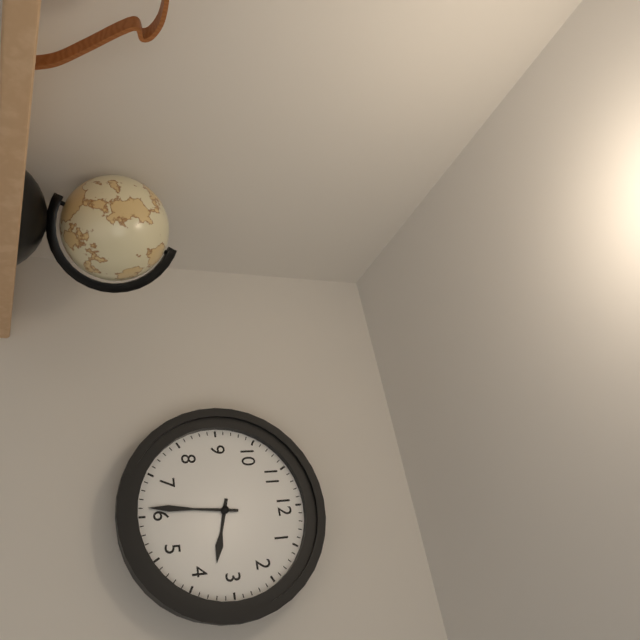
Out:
3.31
